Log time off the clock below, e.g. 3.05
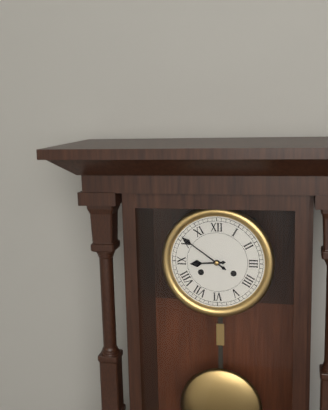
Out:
8.51
